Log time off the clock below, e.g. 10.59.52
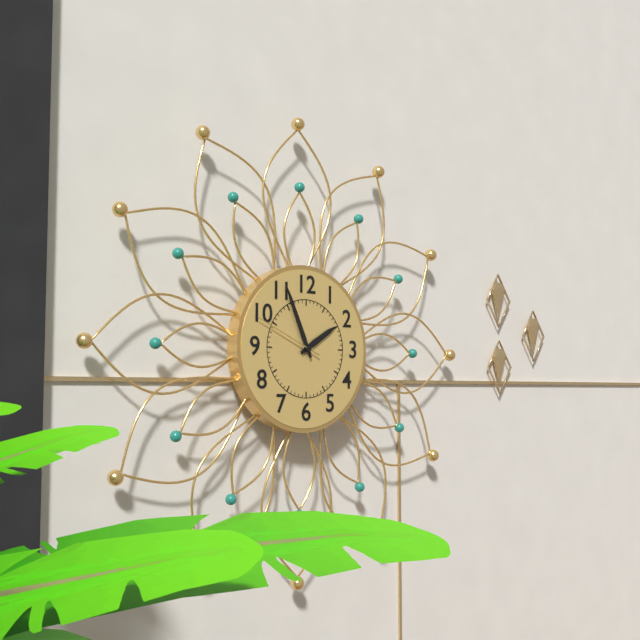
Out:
1.56.49
